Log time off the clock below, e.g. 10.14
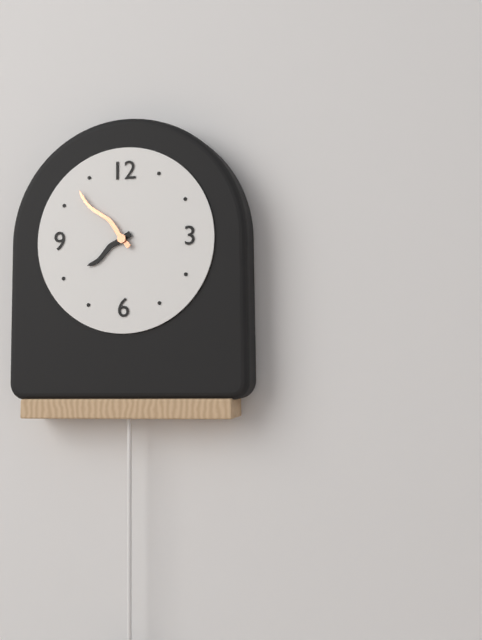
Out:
7.53
